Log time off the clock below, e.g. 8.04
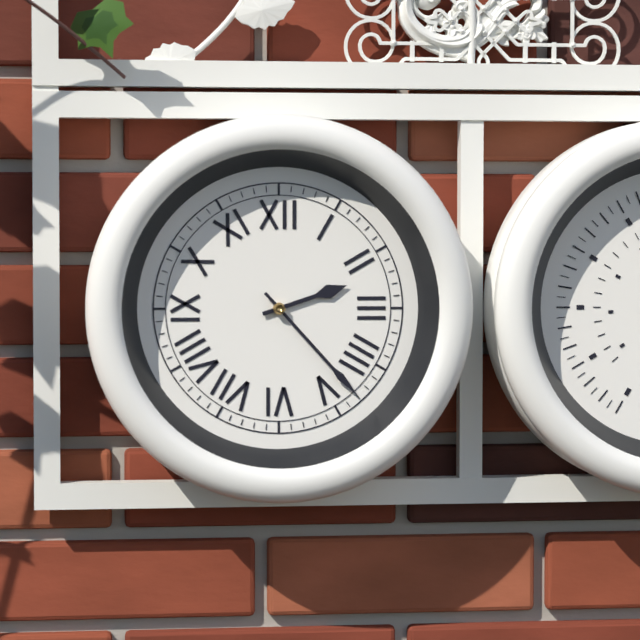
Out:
2.23
